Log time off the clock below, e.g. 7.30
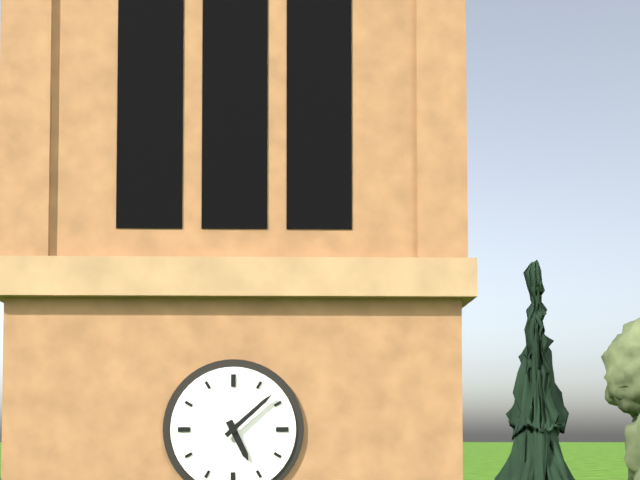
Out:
5.08
